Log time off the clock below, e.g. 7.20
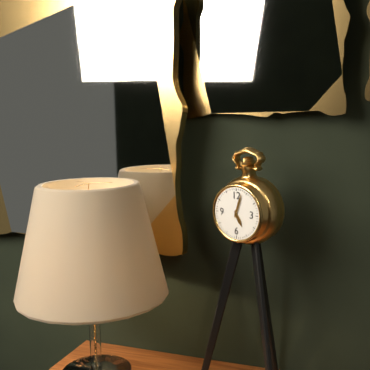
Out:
5.03
